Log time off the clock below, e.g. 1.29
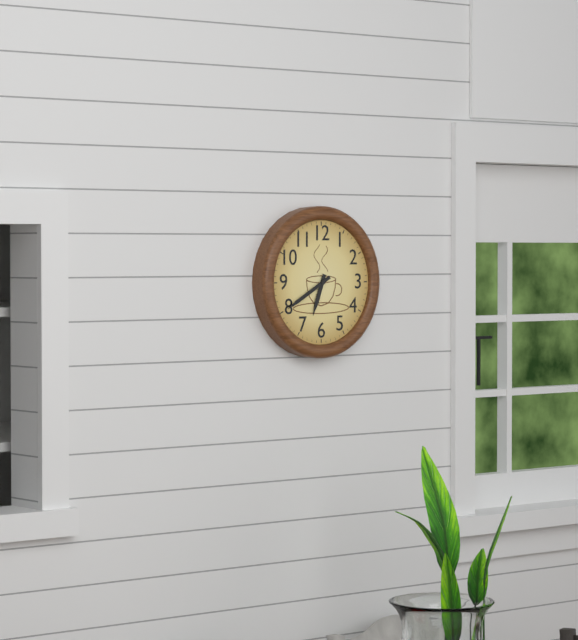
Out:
6.40
